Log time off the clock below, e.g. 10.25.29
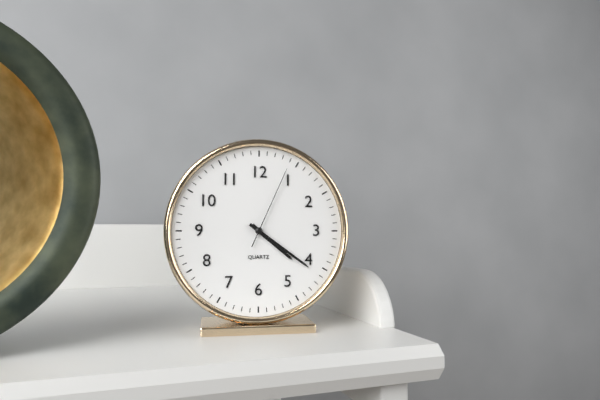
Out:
4.21.04
